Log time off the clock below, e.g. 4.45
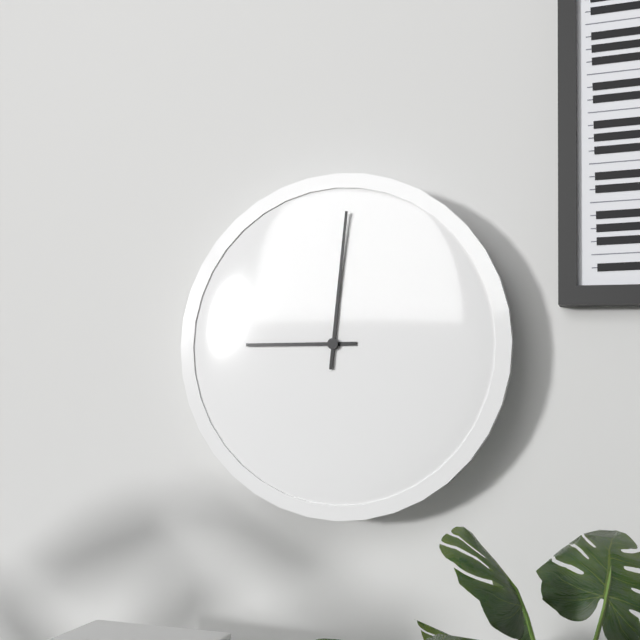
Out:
9.01
